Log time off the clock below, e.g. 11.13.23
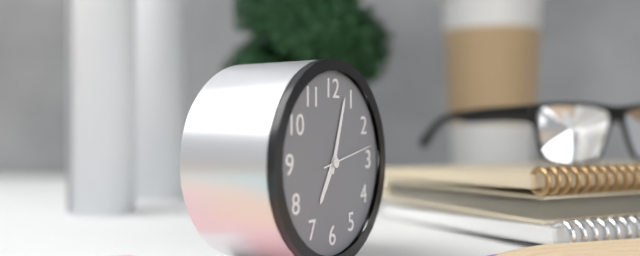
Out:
7.03.13
